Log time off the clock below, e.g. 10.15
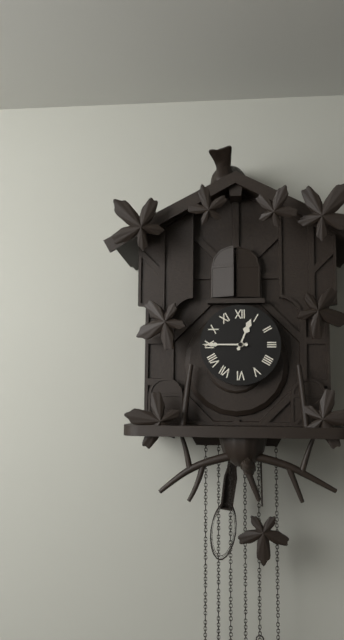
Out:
12.45
